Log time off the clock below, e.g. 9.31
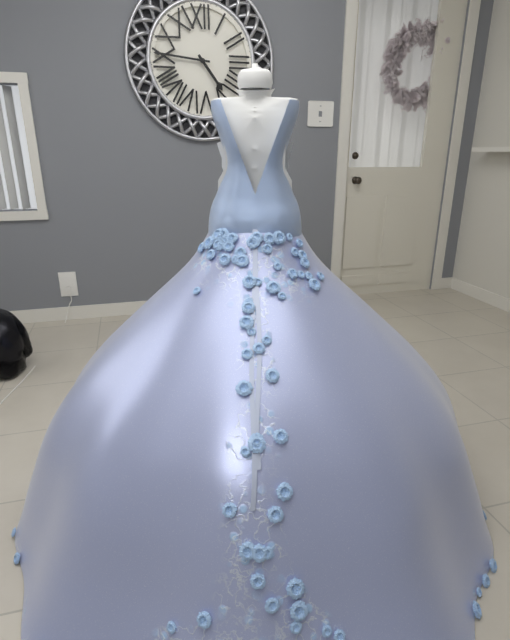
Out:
4.46
